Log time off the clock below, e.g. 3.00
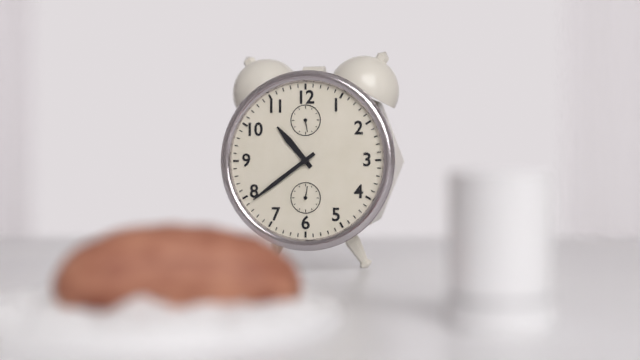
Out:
10.39
